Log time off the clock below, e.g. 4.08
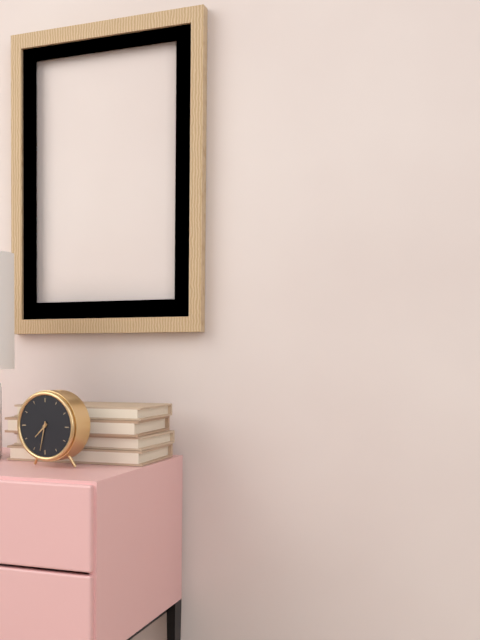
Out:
7.32
